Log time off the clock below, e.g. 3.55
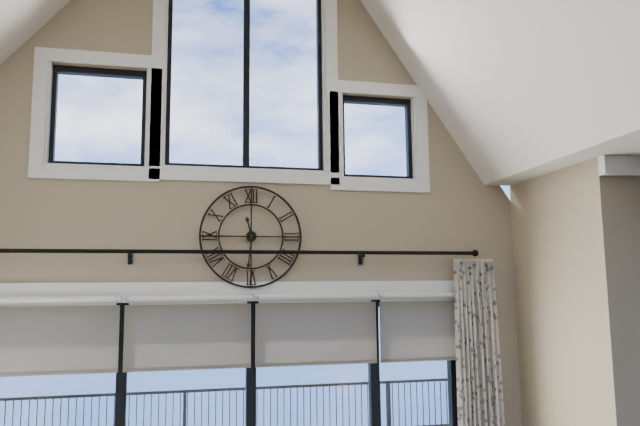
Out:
11.31
